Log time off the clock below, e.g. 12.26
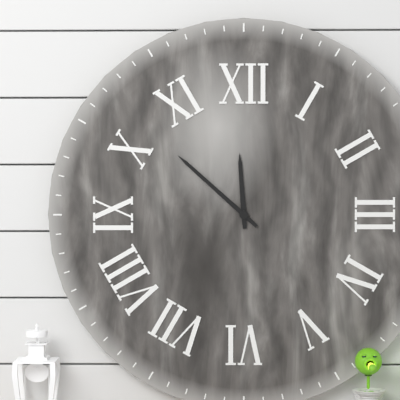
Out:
11.52
